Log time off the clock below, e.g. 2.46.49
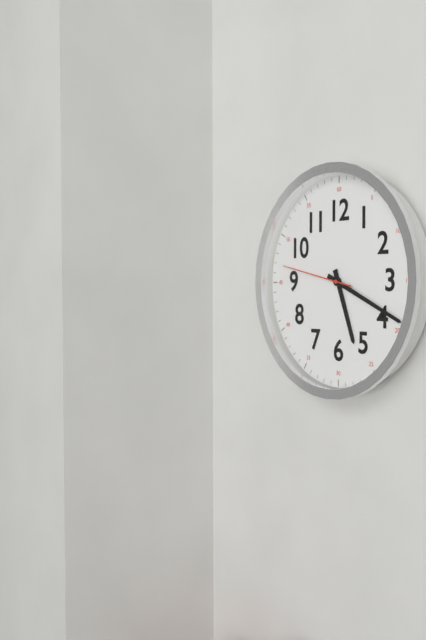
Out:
5.19.47
